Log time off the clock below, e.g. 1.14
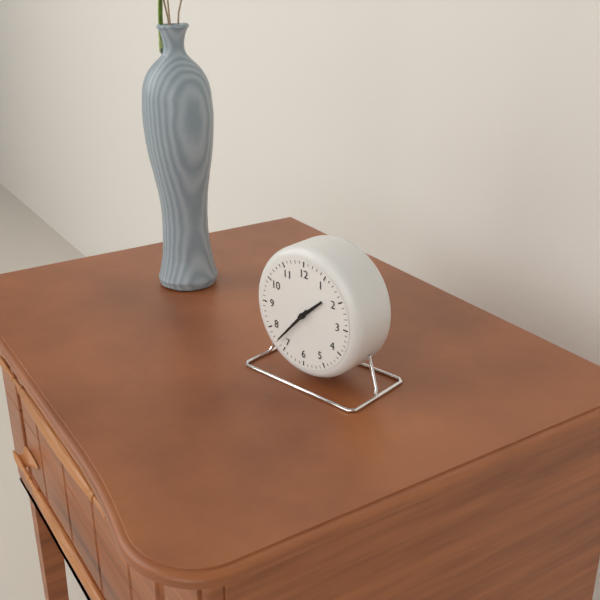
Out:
1.37
